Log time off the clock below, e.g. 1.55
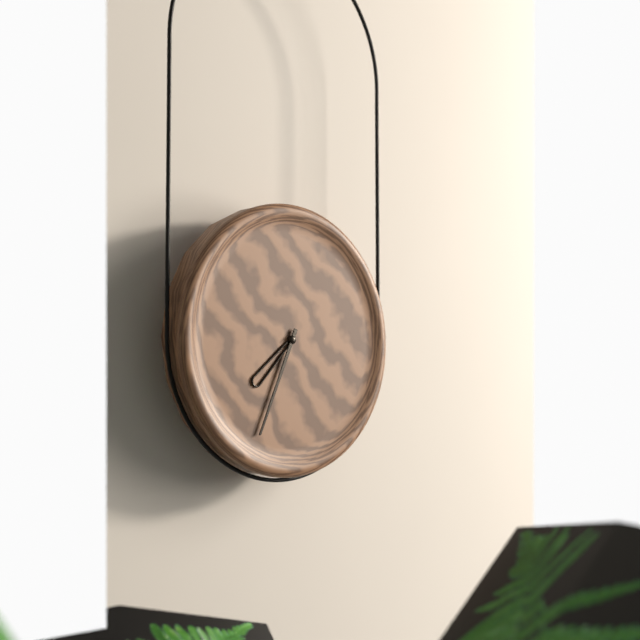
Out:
7.34
